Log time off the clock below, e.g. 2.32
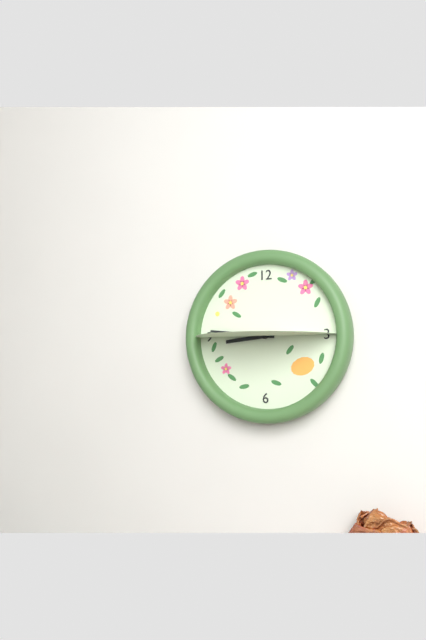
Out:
8.46
